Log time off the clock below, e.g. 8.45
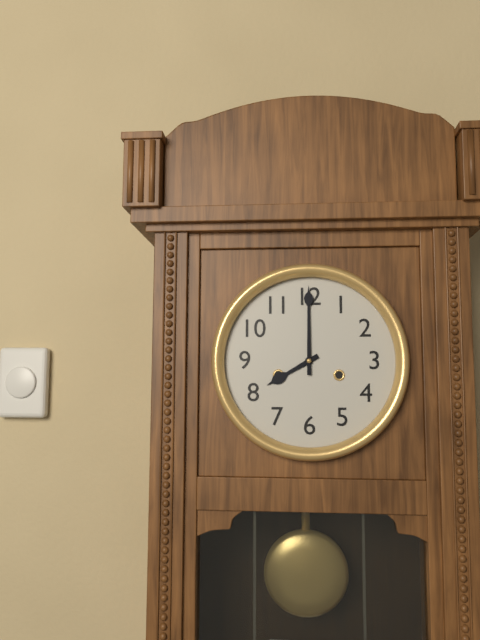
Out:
8.00
